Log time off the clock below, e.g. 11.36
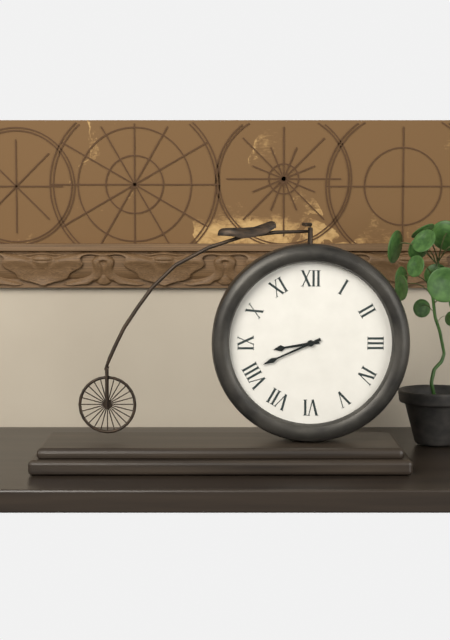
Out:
8.41
